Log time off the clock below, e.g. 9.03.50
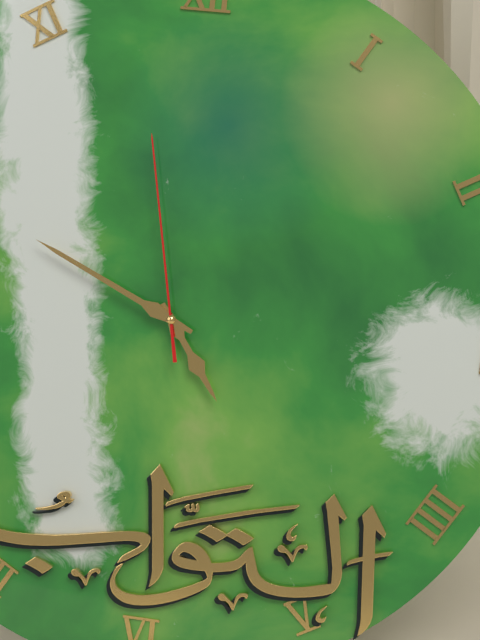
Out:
4.49.58
